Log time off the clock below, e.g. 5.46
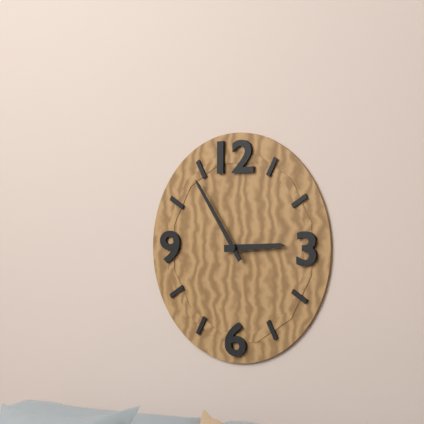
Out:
2.54
